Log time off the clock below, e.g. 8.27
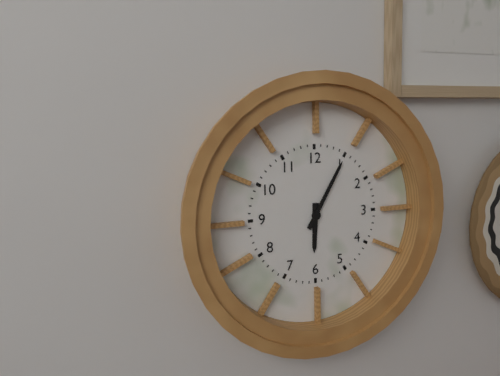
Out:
6.05
